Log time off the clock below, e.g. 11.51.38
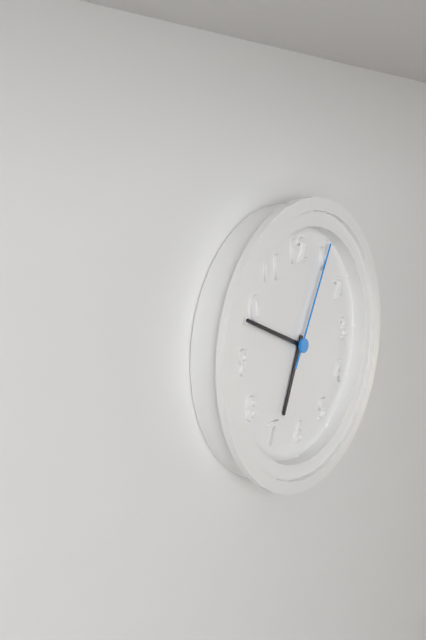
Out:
6.49.05
